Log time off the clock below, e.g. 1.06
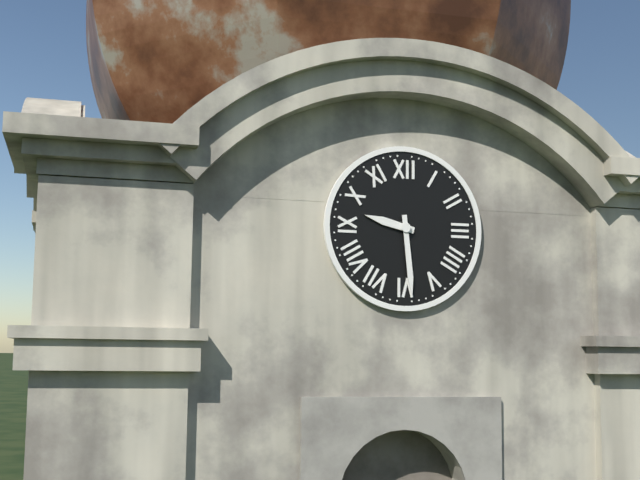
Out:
9.29
